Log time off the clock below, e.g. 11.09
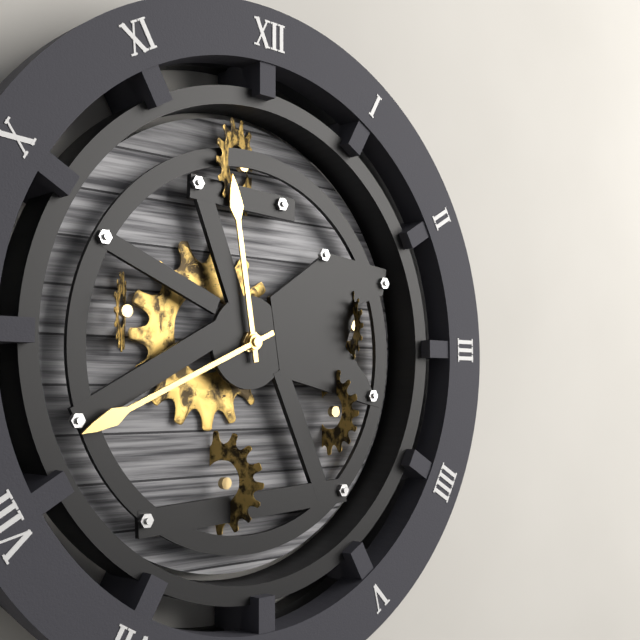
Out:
11.41
